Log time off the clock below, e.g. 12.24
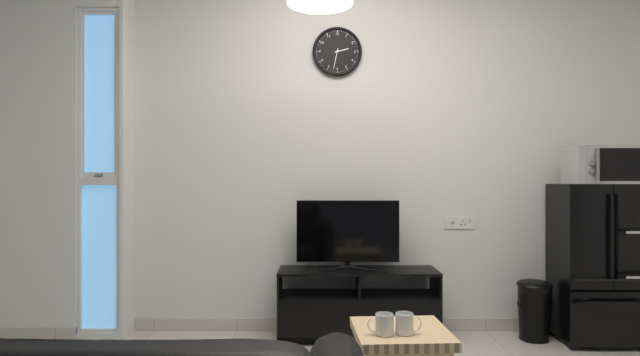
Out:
2.32
